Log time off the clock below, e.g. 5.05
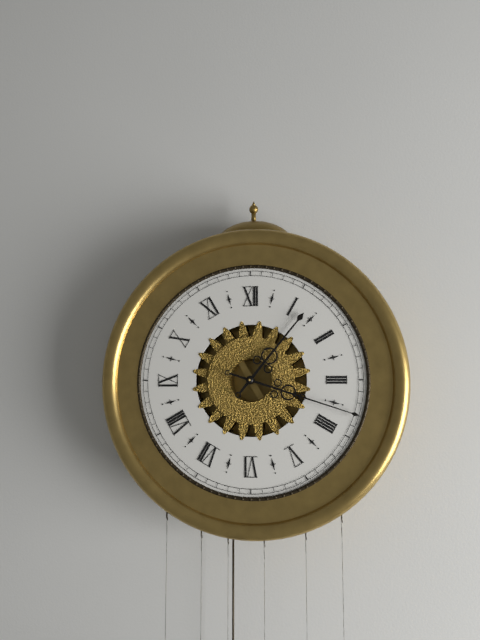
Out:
1.18
